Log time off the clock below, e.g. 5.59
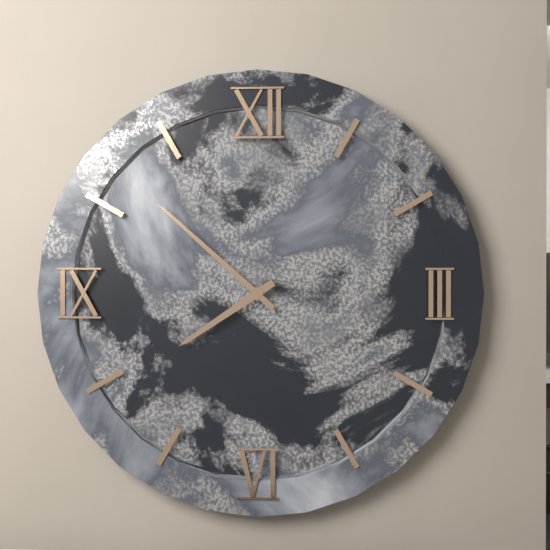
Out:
7.52
